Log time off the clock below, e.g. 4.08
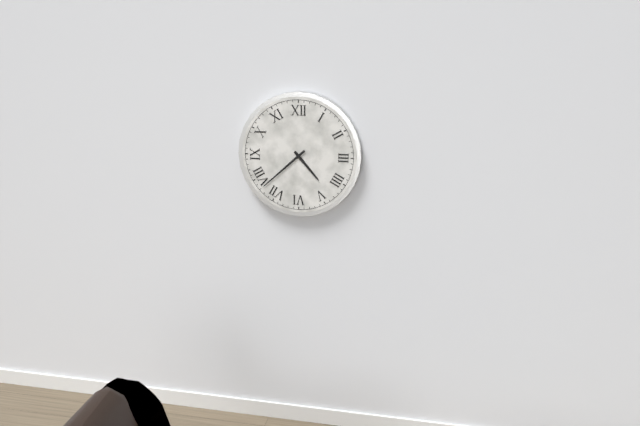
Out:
4.38
